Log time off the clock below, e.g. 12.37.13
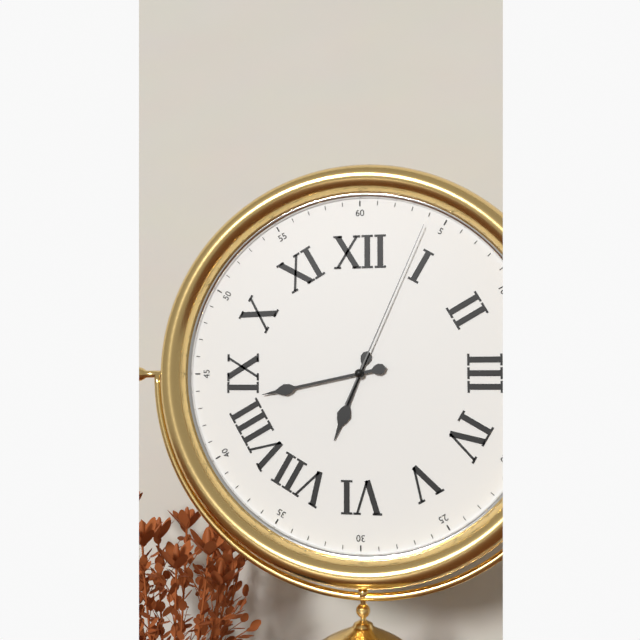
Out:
6.43.04
